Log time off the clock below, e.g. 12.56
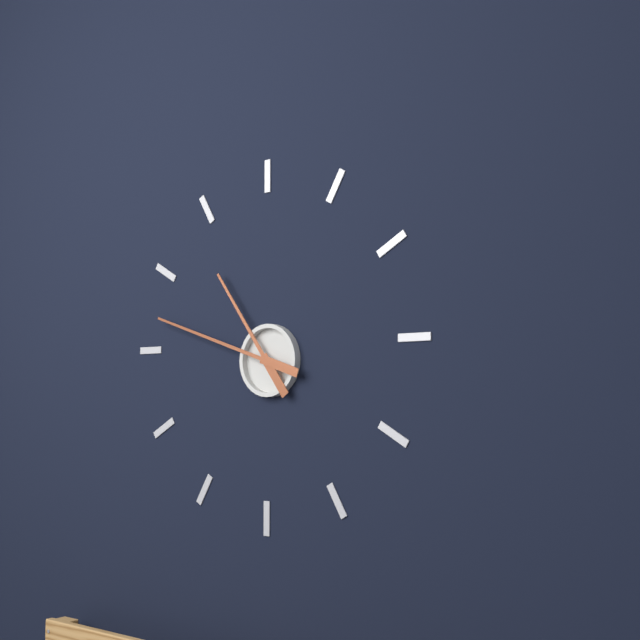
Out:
10.48
